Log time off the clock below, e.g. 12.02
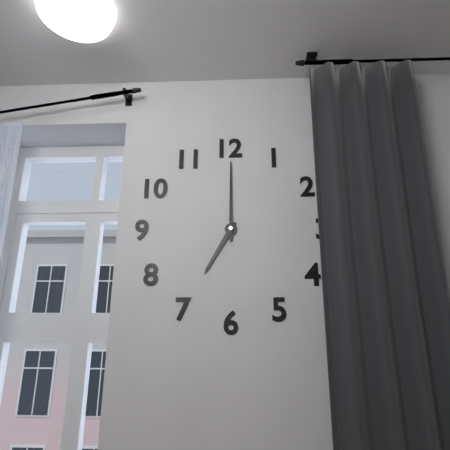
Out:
7.00
